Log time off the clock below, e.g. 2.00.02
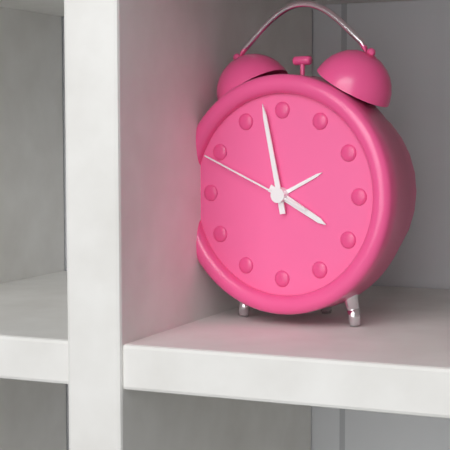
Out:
3.58.49
